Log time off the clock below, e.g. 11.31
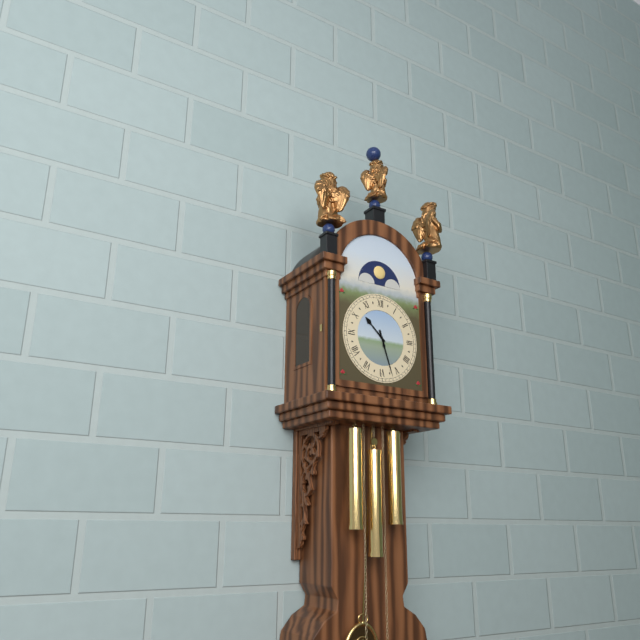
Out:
10.27
